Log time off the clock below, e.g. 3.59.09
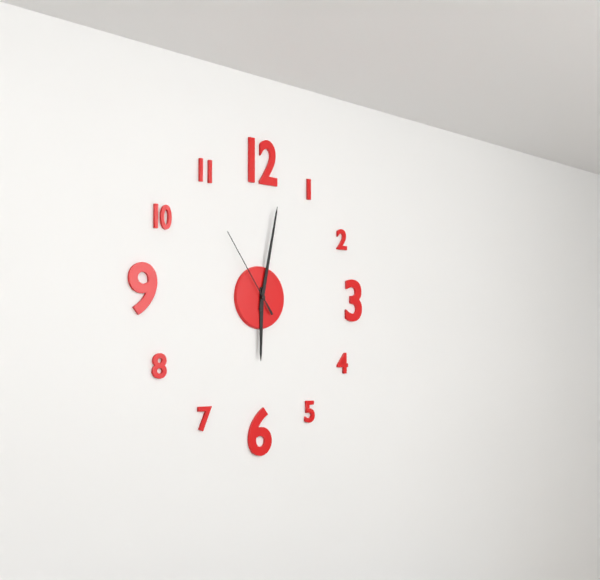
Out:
6.02.54
